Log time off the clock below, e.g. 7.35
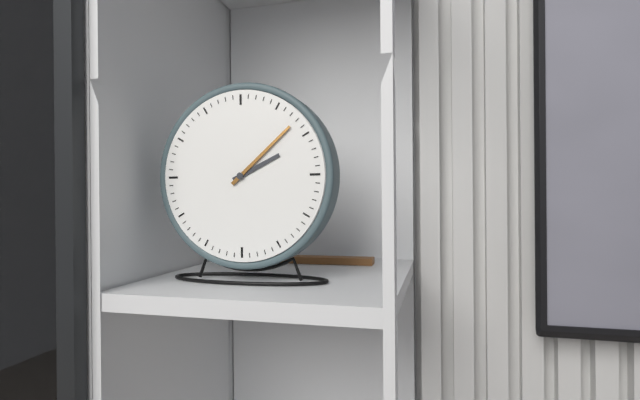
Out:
2.08
